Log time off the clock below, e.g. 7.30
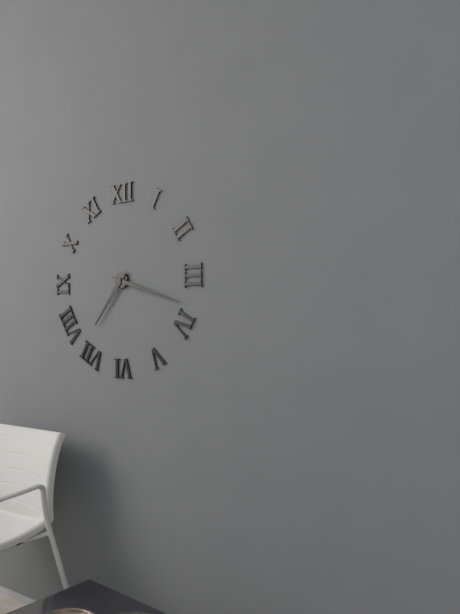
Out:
7.18
